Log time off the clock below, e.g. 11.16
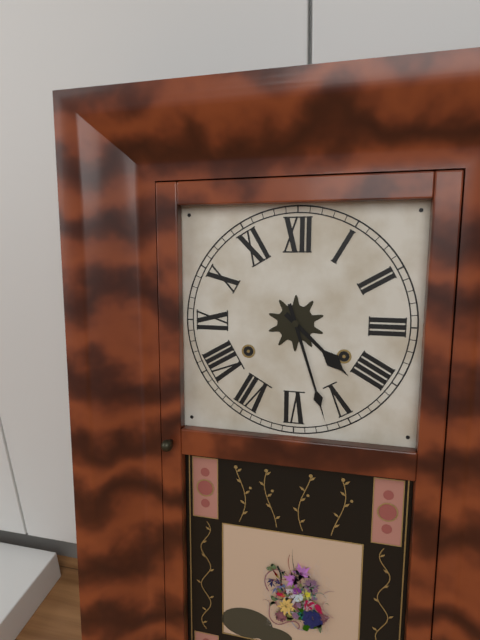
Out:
4.27
